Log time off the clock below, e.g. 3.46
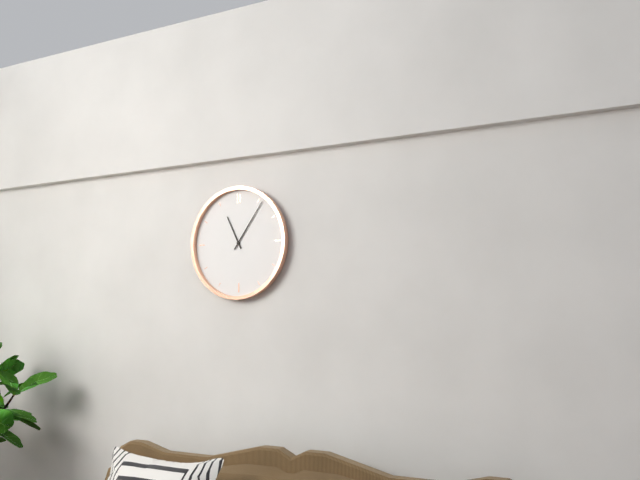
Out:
11.06
